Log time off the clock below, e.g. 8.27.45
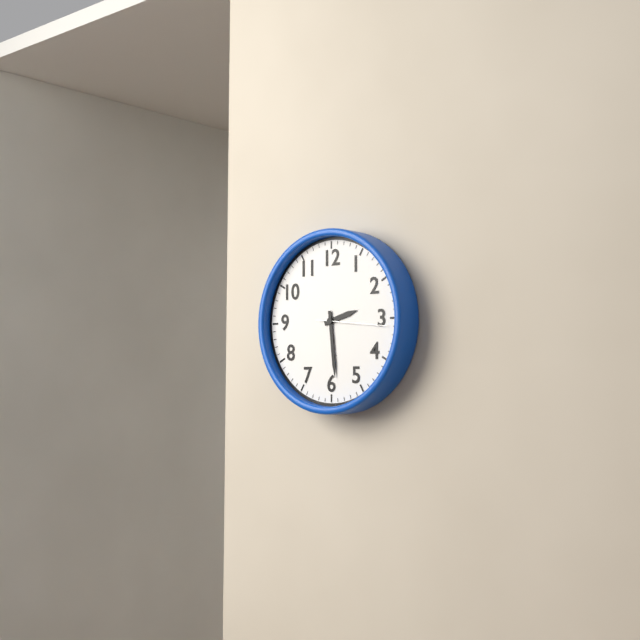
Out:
2.29.16
